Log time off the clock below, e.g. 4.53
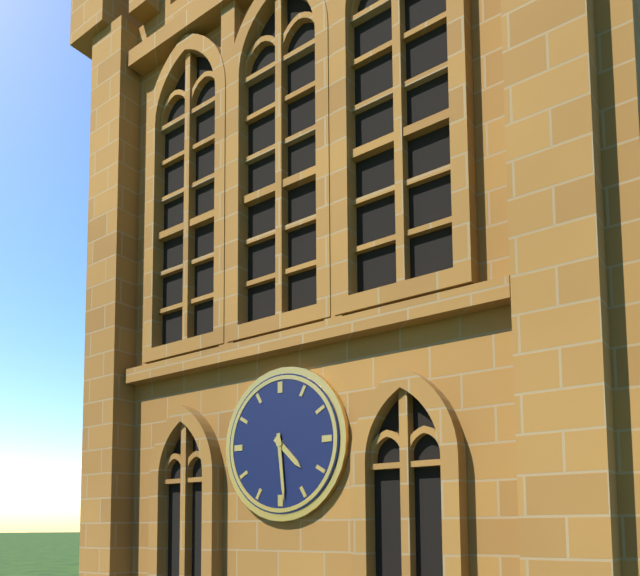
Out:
4.29
